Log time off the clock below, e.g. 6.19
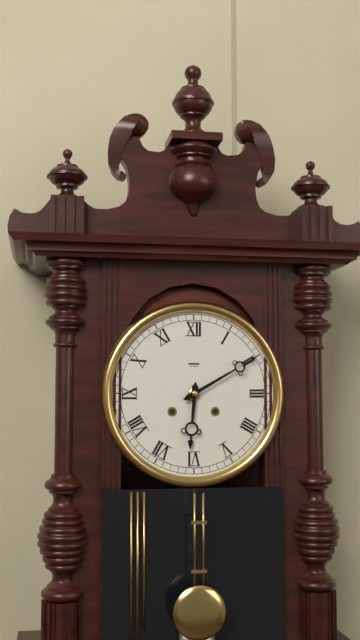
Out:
6.10
